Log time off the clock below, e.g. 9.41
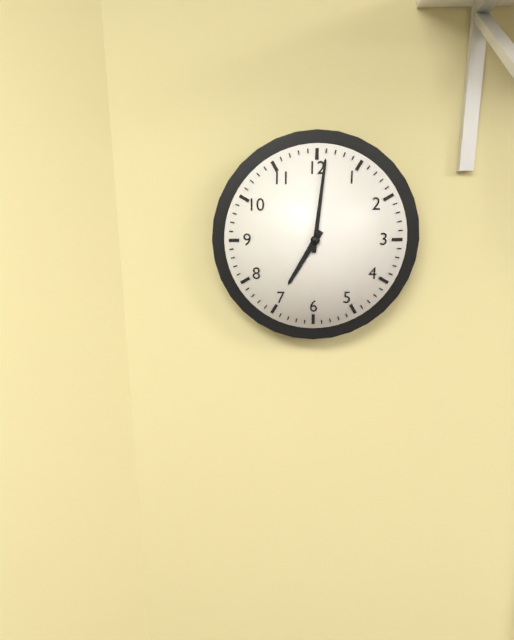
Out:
7.01
